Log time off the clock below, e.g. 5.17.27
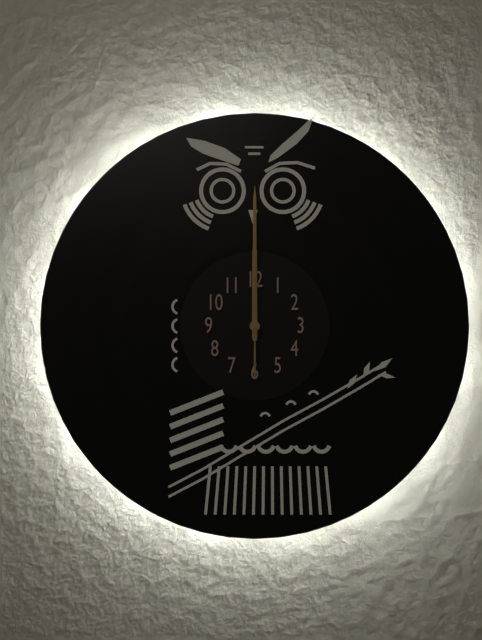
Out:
12.00.00
